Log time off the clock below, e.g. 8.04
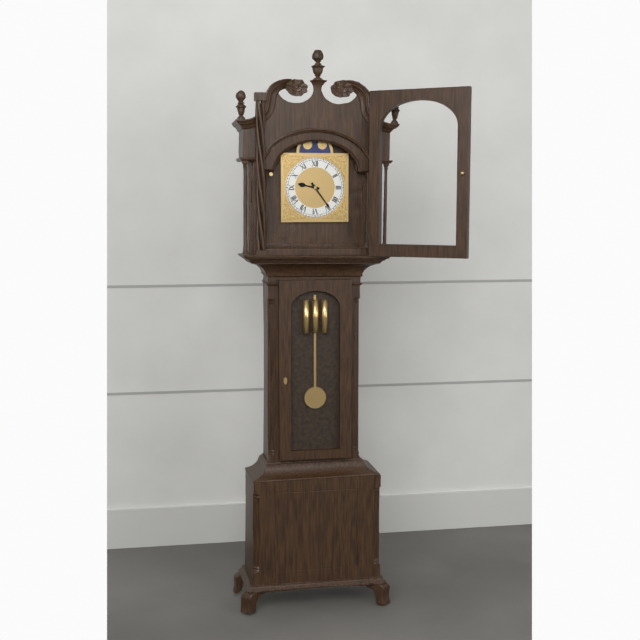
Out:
9.24
